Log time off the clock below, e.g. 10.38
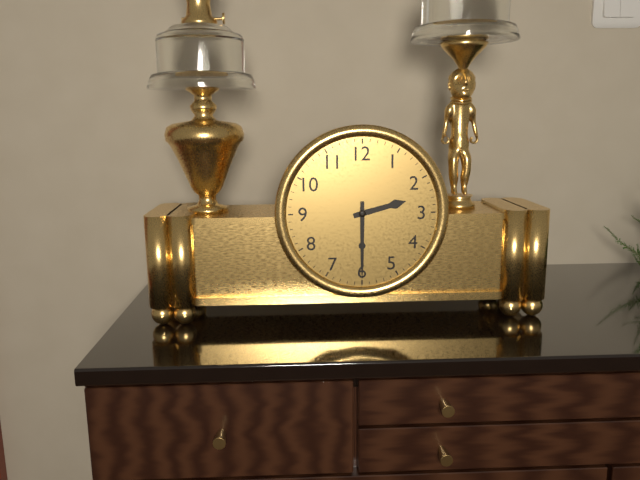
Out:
2.30
